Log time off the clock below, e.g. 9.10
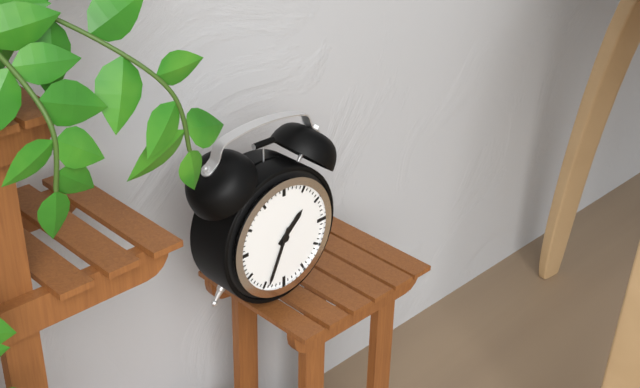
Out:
1.34
